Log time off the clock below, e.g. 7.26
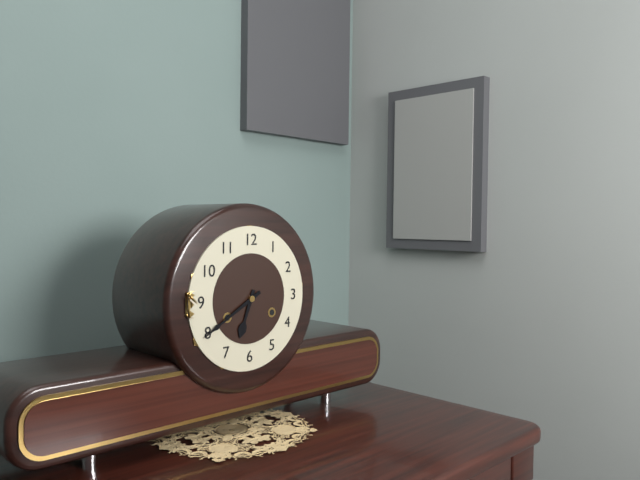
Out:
6.40
